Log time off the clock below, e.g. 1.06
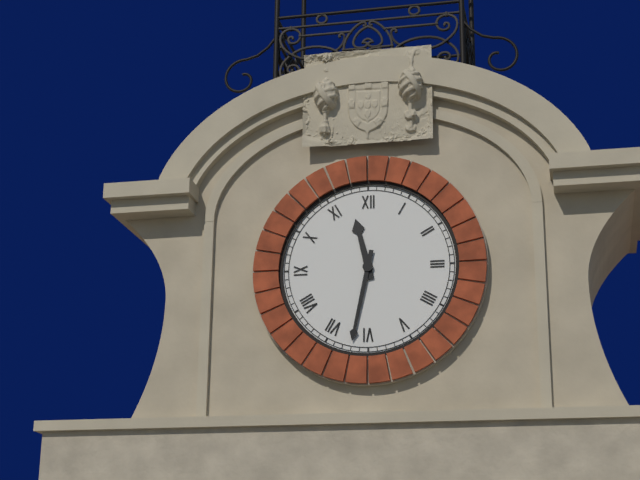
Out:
11.32
